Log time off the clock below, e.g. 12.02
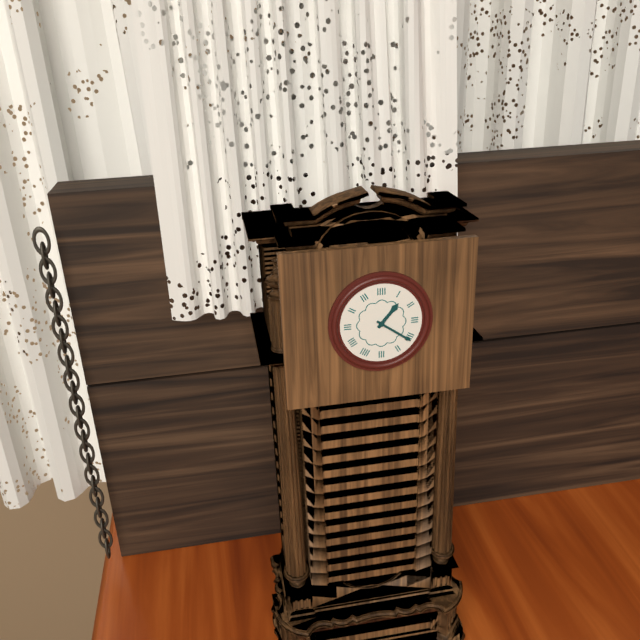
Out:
1.21
